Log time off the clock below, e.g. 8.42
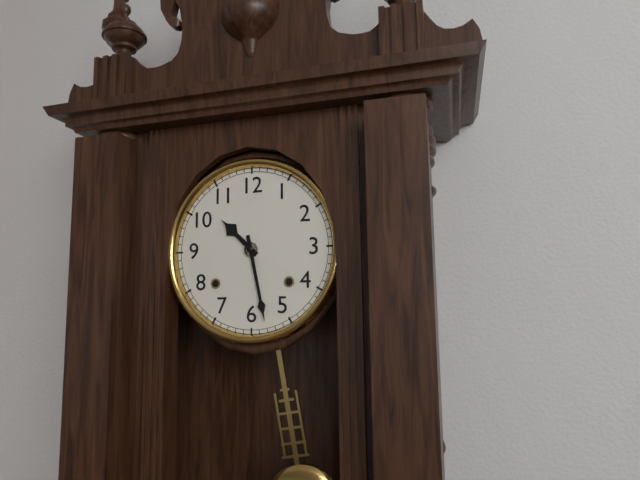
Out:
10.28
